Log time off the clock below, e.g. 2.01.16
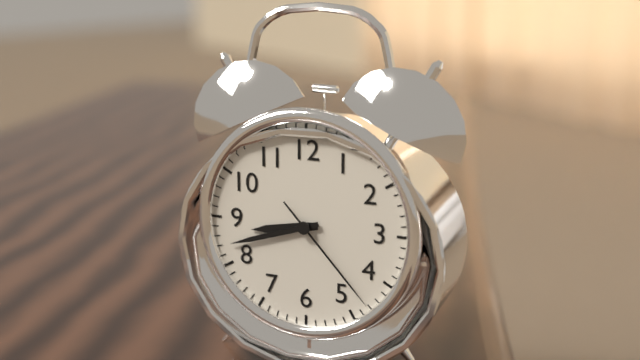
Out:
8.42.23
